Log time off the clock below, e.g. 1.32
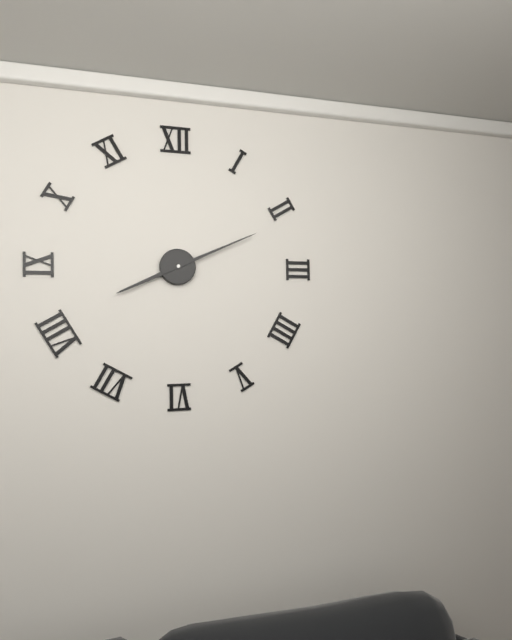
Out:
8.11
